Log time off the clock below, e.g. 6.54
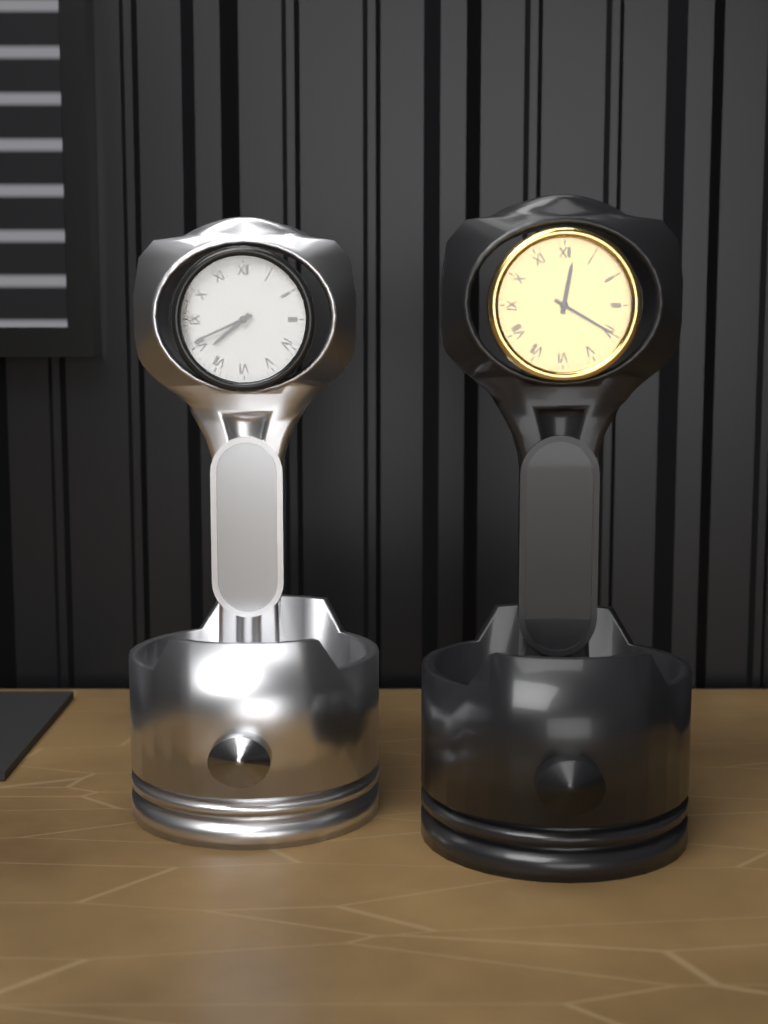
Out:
7.41
